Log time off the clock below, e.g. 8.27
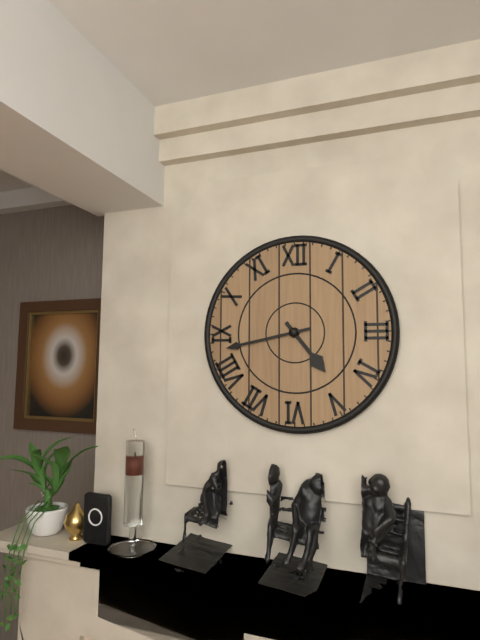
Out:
4.43
